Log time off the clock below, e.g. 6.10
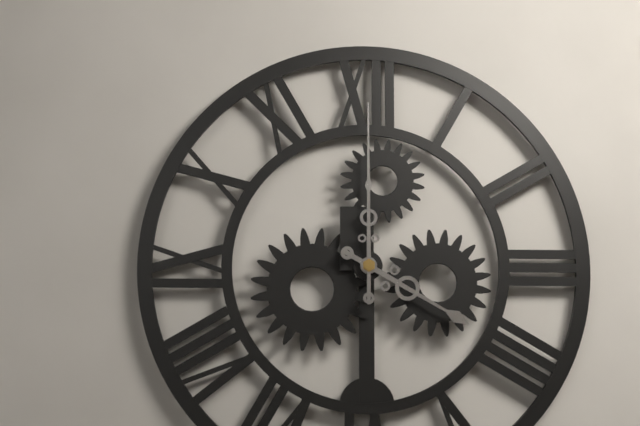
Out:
4.00
